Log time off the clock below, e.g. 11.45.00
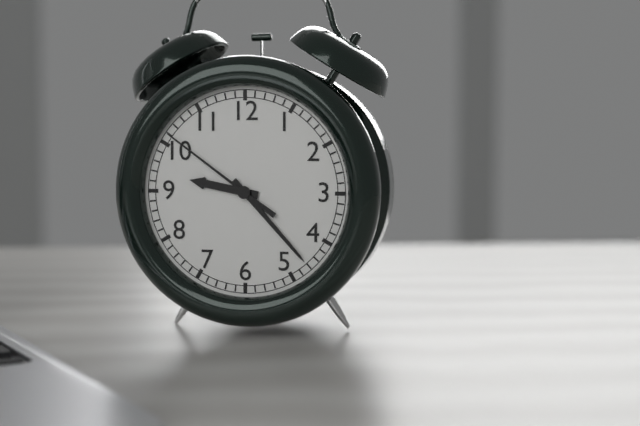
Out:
9.23.51
